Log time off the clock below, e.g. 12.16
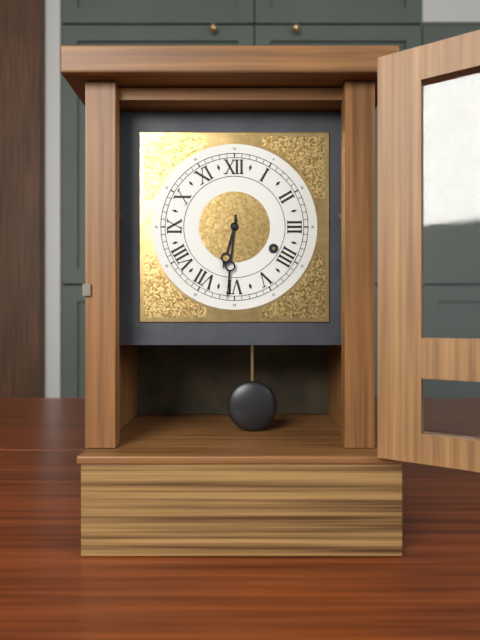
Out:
6.31
